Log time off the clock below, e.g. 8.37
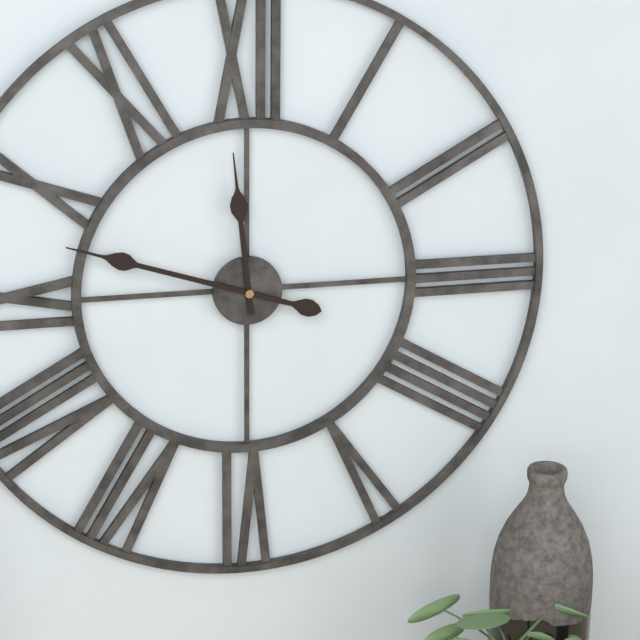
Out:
11.48
